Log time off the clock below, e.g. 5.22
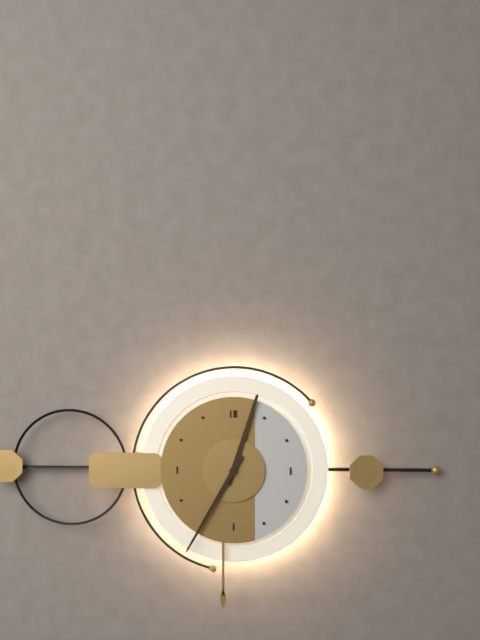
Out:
12.35
